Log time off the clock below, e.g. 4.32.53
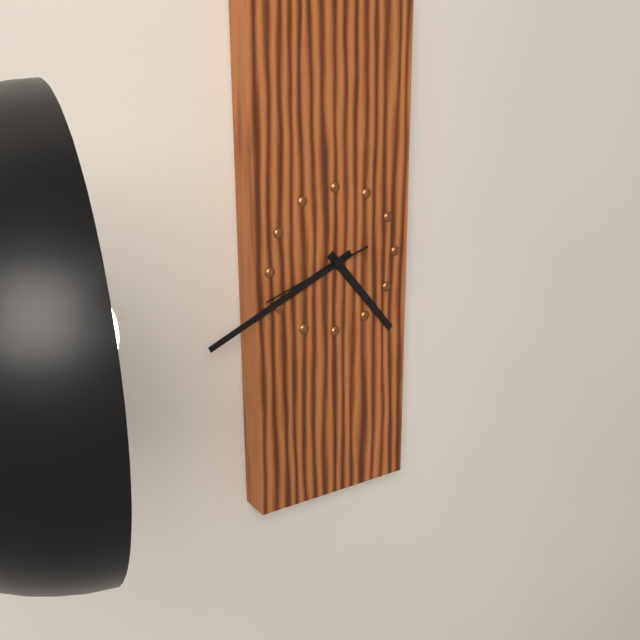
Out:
4.41.42
